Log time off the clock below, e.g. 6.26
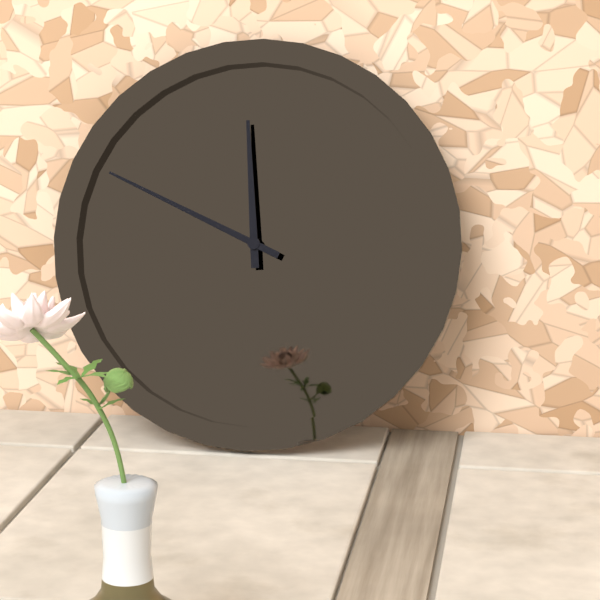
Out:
11.49
